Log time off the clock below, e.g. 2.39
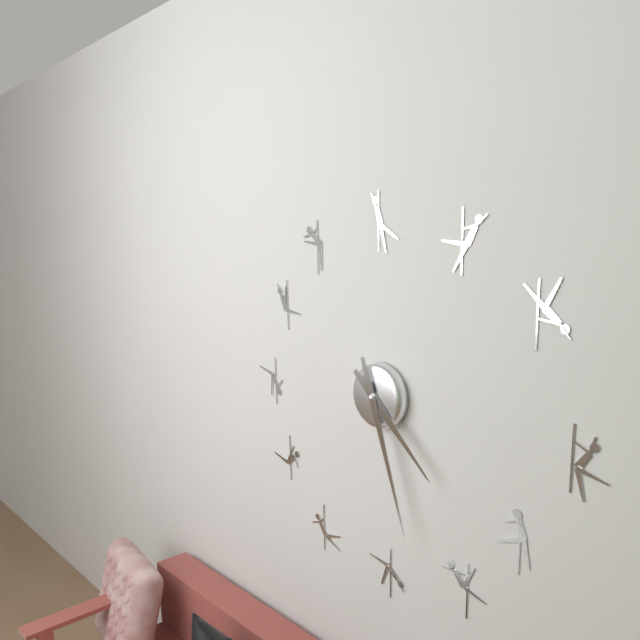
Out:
4.27
